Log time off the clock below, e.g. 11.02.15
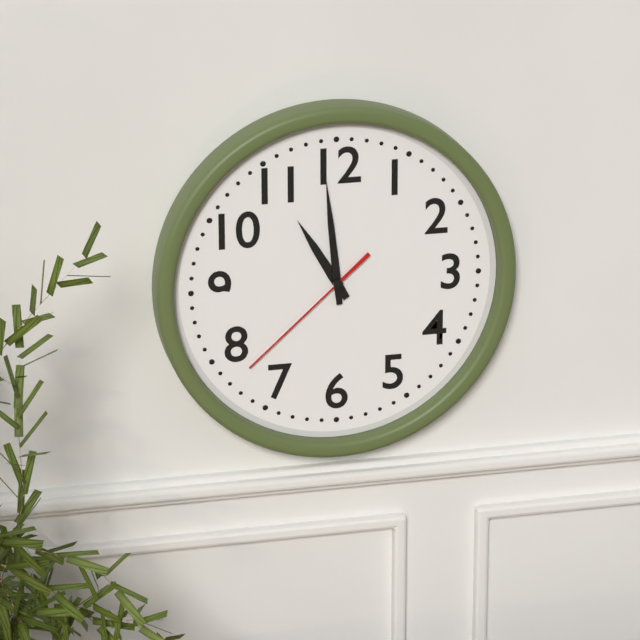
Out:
10.59.38
